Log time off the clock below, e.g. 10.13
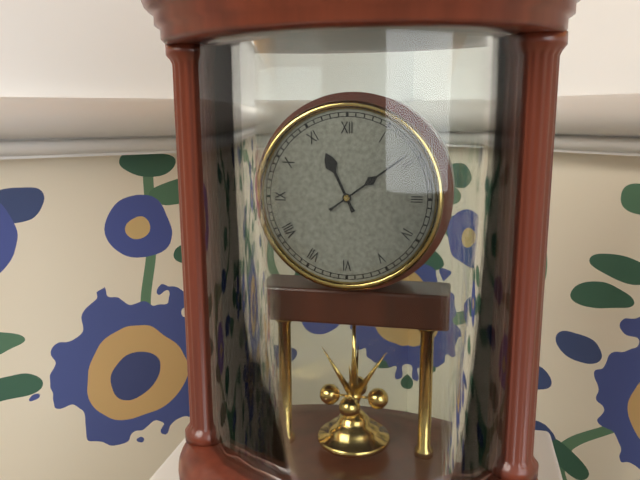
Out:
11.09
